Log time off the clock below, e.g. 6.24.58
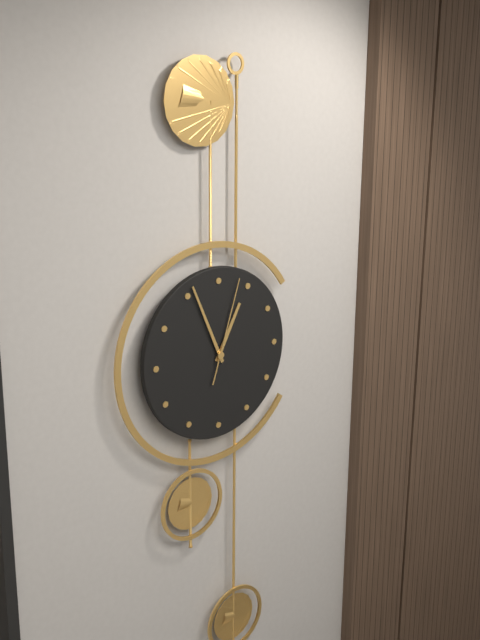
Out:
12.56.03
